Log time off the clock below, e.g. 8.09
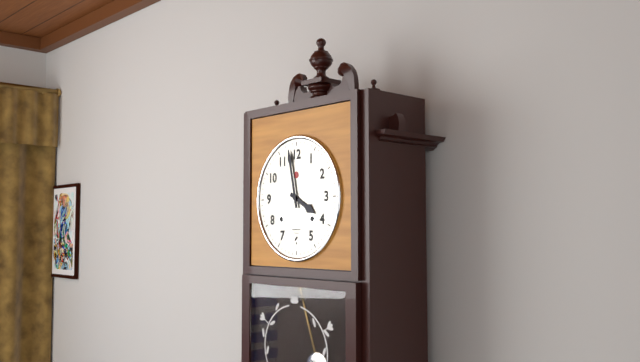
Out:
3.58
